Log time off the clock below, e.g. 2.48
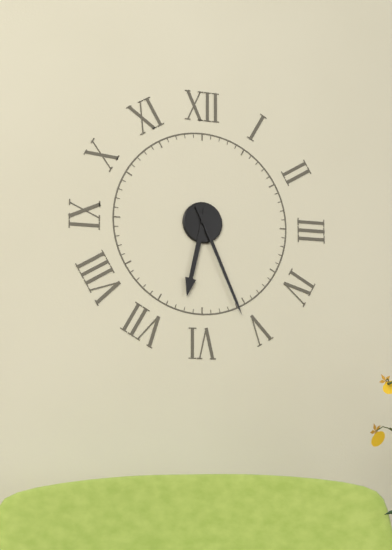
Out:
6.26
